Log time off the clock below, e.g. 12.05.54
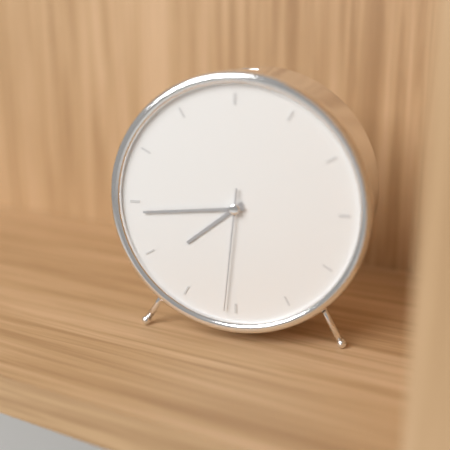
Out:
7.44.31
